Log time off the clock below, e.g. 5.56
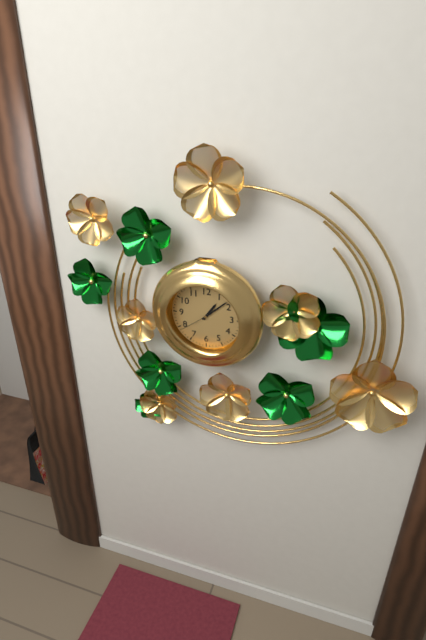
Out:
1.08
